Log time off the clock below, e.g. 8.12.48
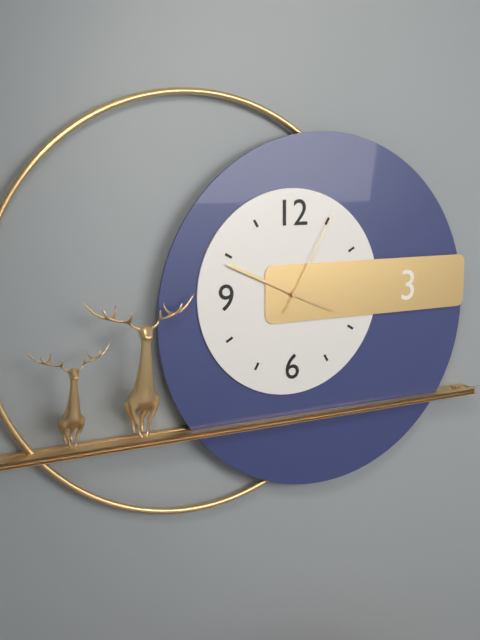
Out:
3.49.05
